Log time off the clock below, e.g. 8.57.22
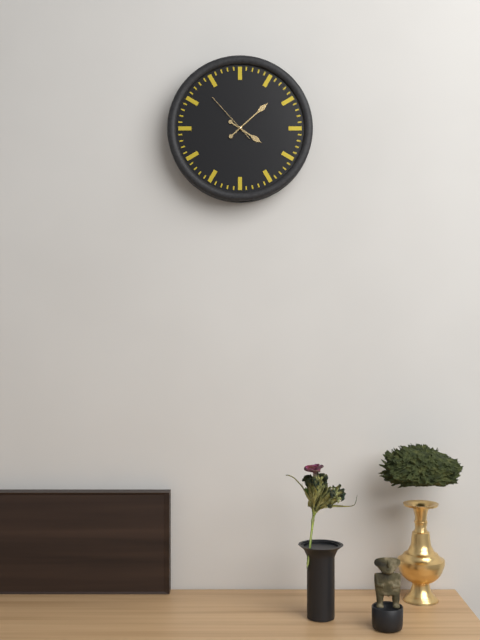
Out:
4.08.53
